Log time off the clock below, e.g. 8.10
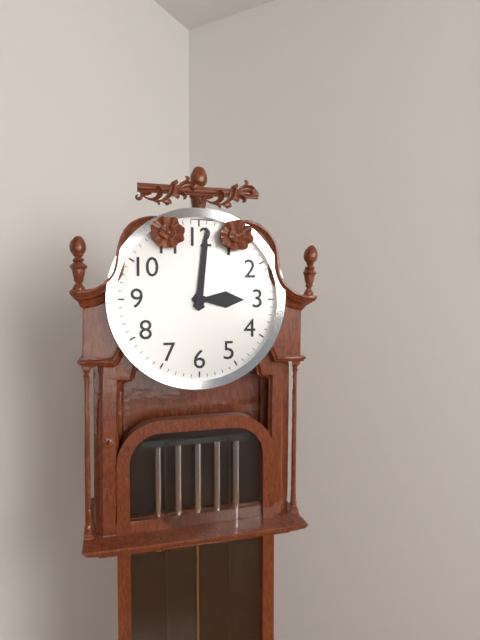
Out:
3.01
